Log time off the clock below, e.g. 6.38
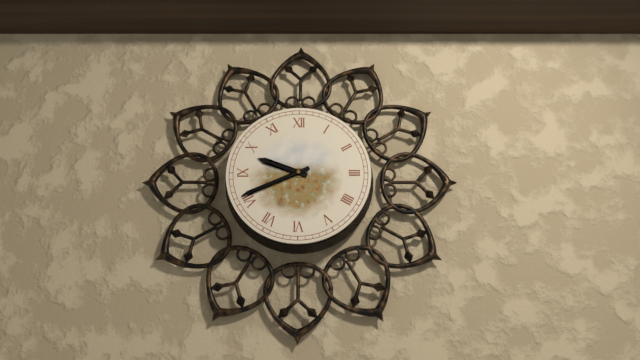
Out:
9.41
